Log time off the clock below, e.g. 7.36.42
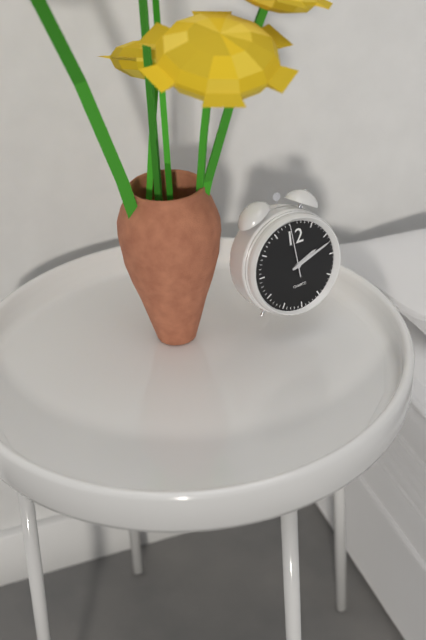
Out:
2.12.59
